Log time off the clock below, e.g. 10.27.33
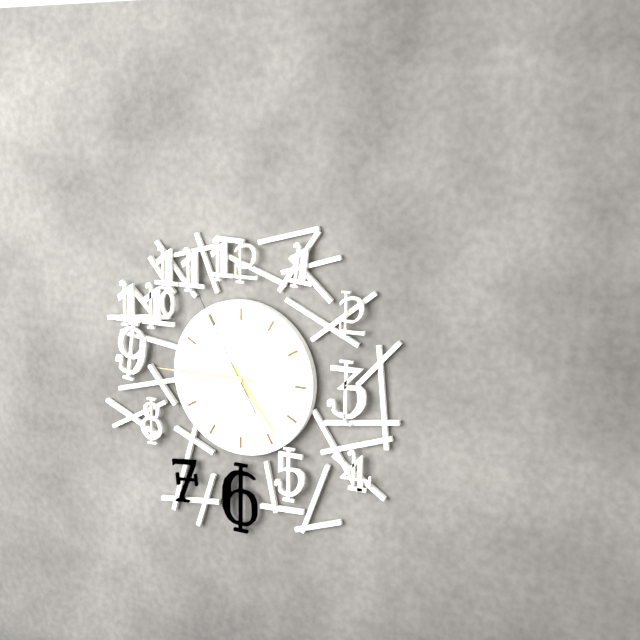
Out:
4.45.55
